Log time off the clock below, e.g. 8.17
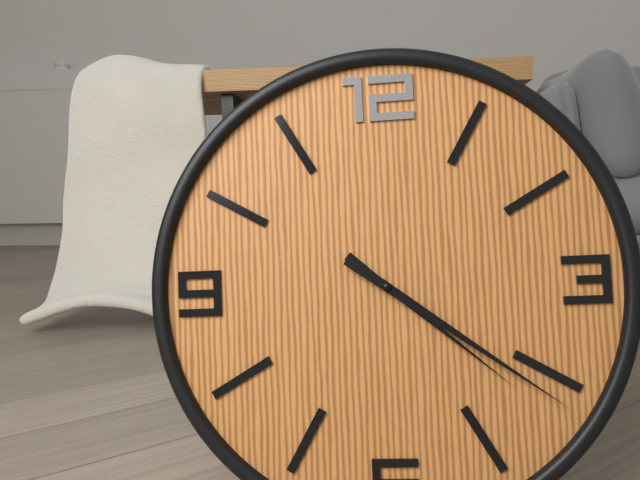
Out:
4.21
